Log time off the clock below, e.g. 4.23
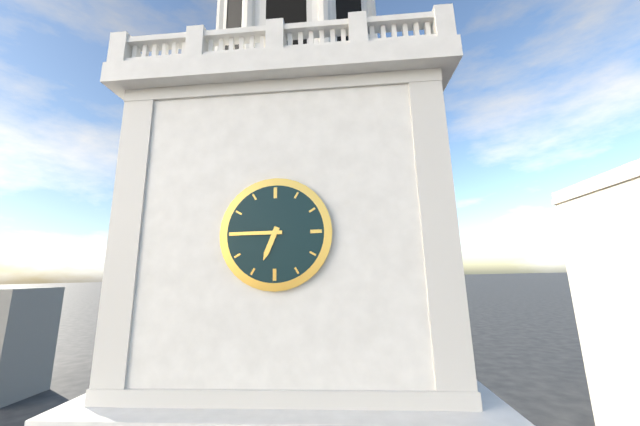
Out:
6.45
